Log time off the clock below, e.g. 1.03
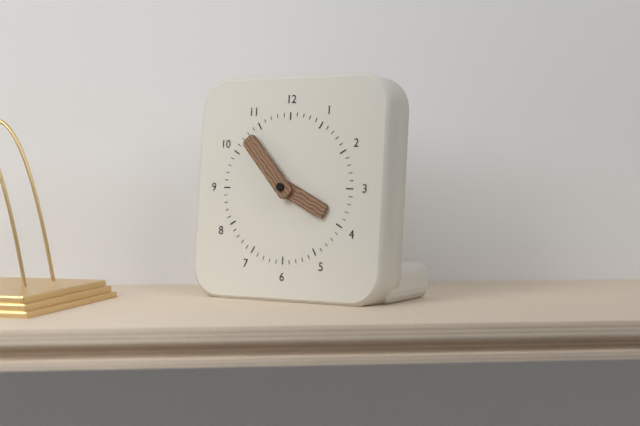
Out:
3.53
